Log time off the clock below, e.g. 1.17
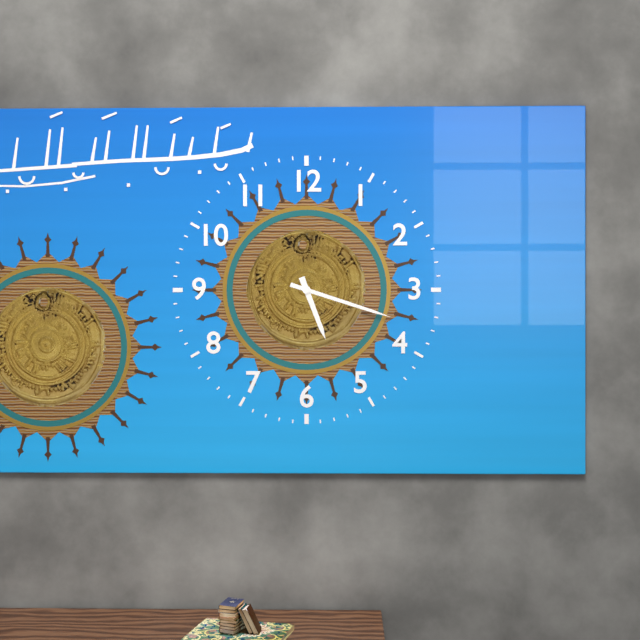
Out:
5.18
